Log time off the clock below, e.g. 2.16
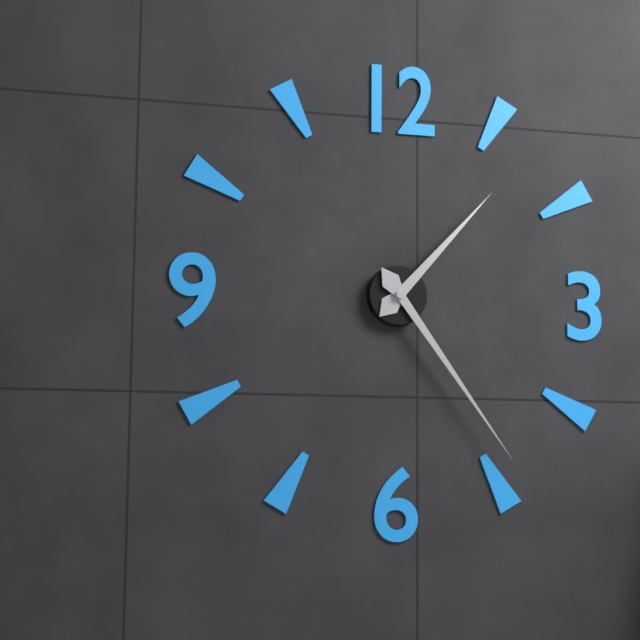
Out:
1.24
